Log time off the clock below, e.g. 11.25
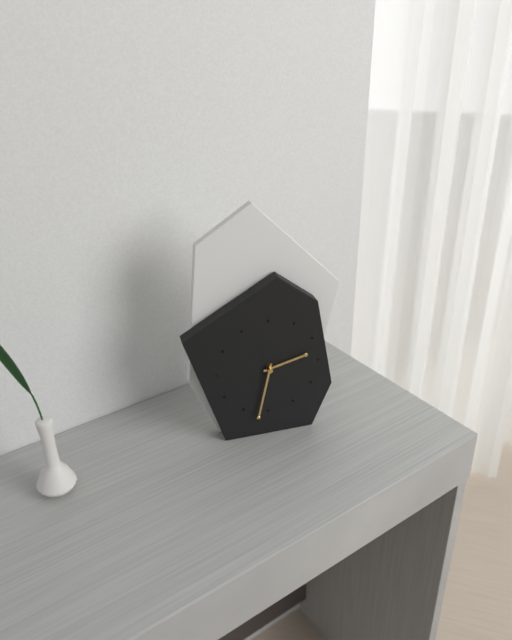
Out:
2.32
